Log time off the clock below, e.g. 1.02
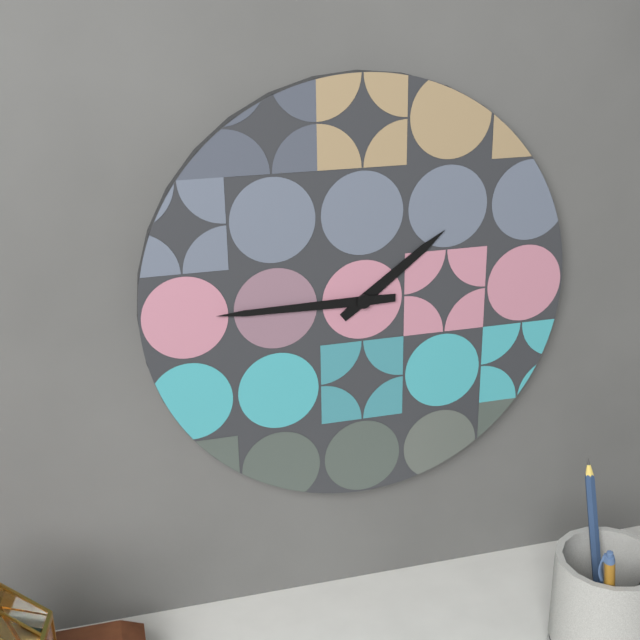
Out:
1.45
